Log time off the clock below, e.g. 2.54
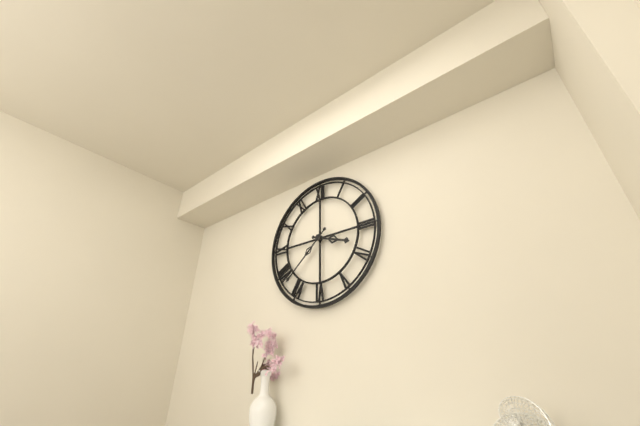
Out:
3.38
